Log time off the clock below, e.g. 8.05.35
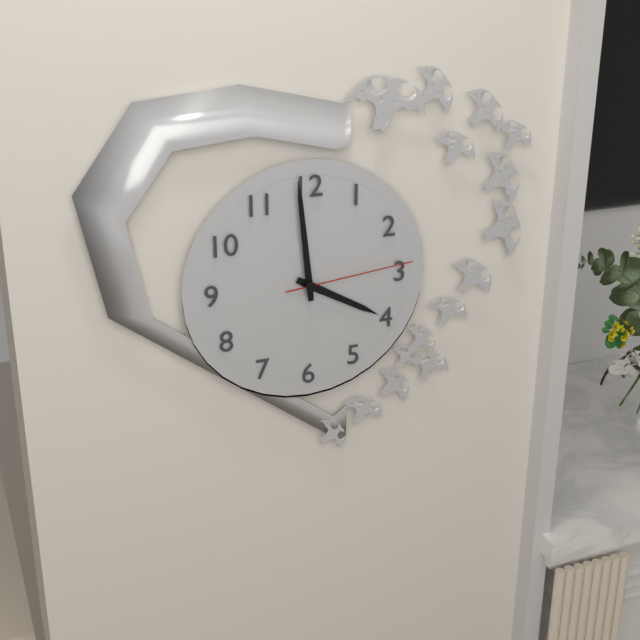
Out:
3.59.14
